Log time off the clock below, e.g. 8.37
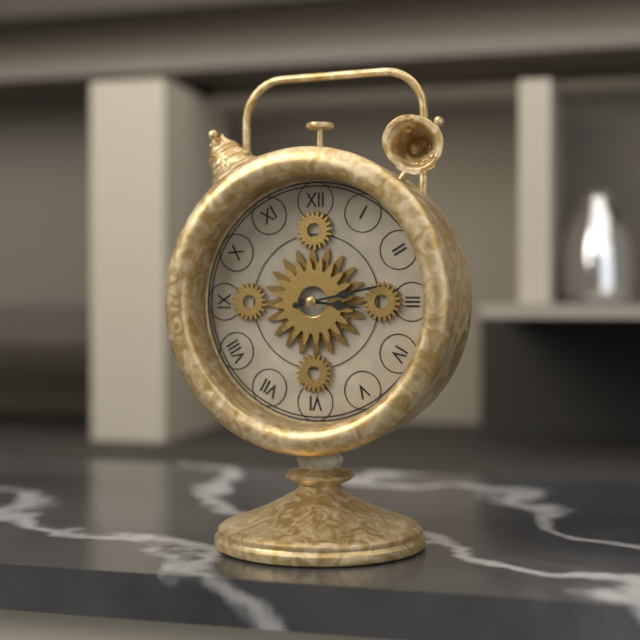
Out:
3.13
